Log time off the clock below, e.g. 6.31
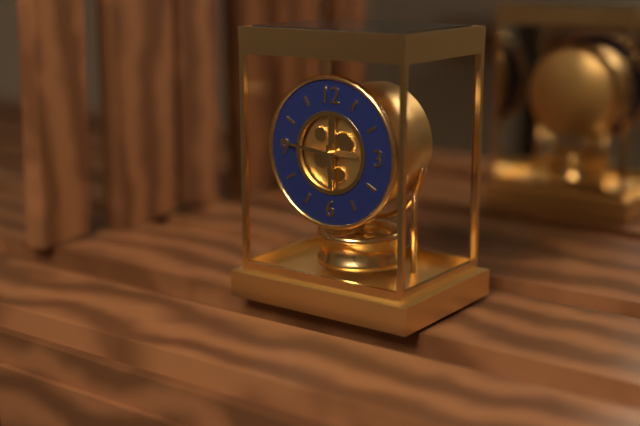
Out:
5.46
